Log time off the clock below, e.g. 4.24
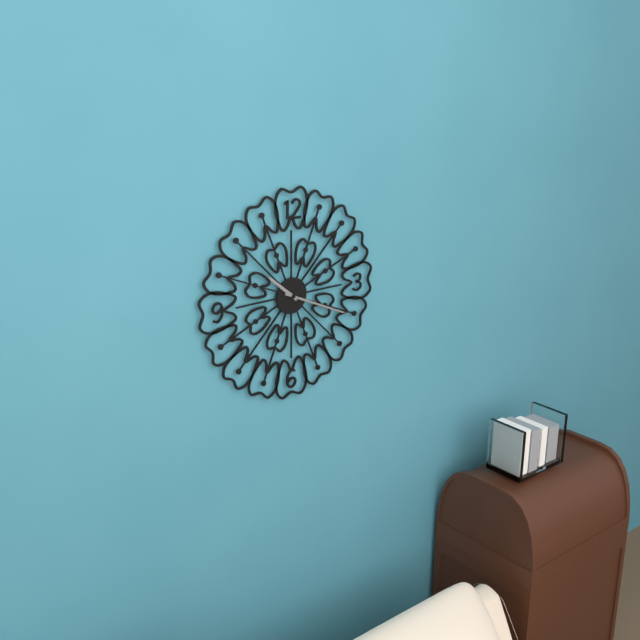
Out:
10.19
